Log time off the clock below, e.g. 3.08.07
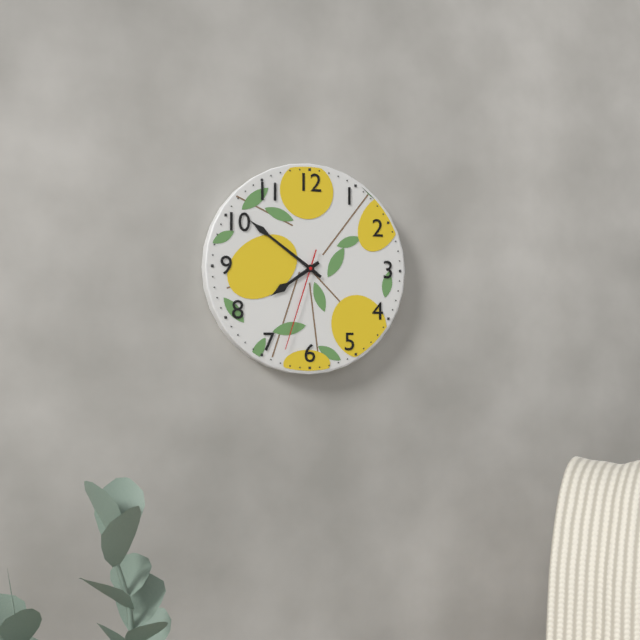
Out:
7.51.33
